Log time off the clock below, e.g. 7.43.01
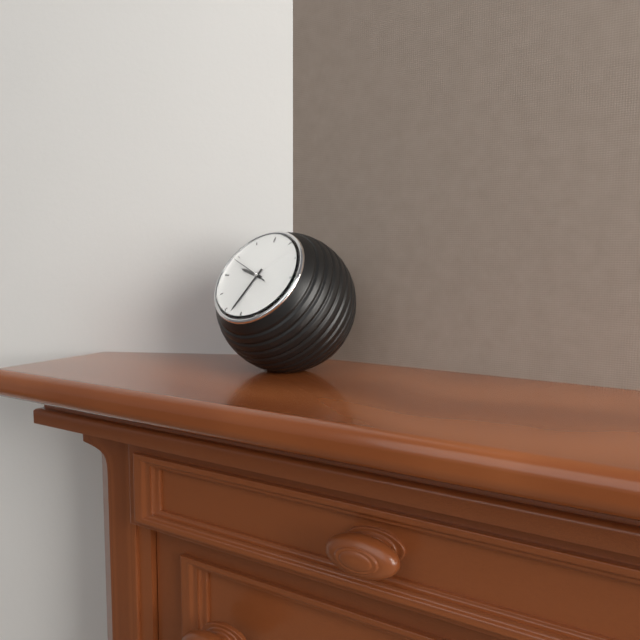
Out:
9.33.49
